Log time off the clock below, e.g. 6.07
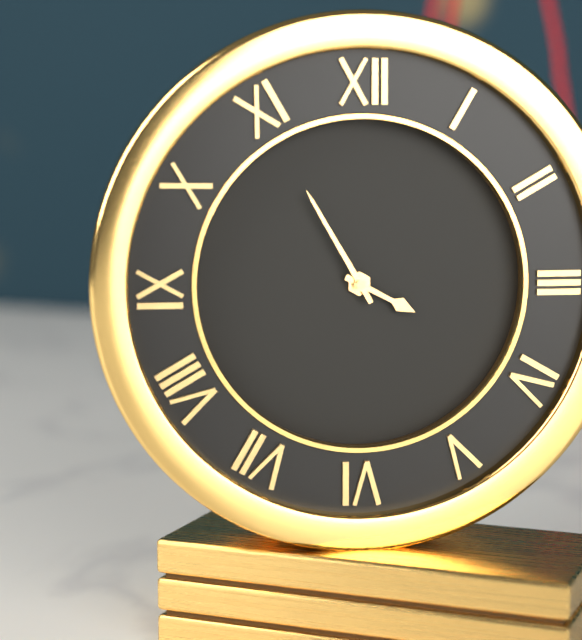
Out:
3.55
